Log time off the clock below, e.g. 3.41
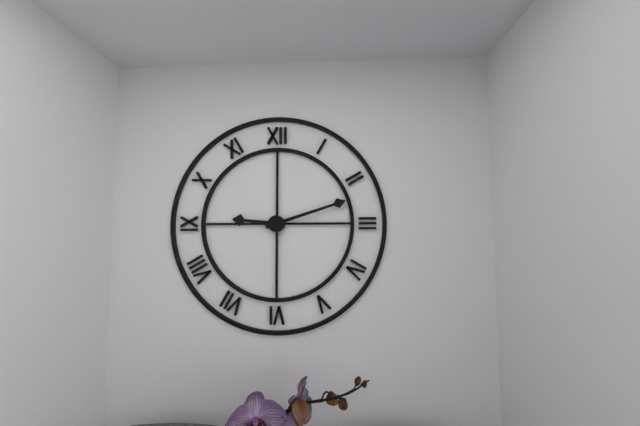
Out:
9.12
